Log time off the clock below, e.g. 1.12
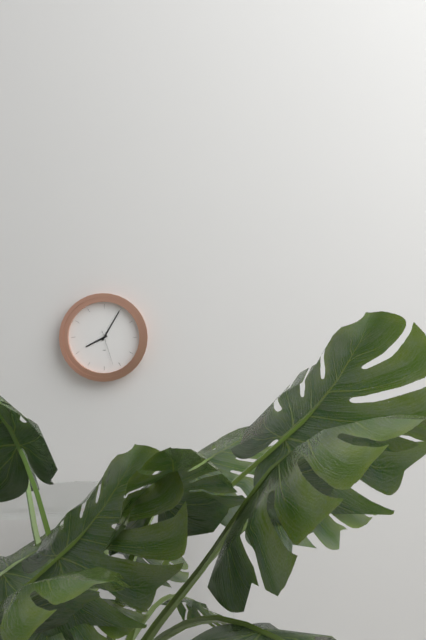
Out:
8.05
